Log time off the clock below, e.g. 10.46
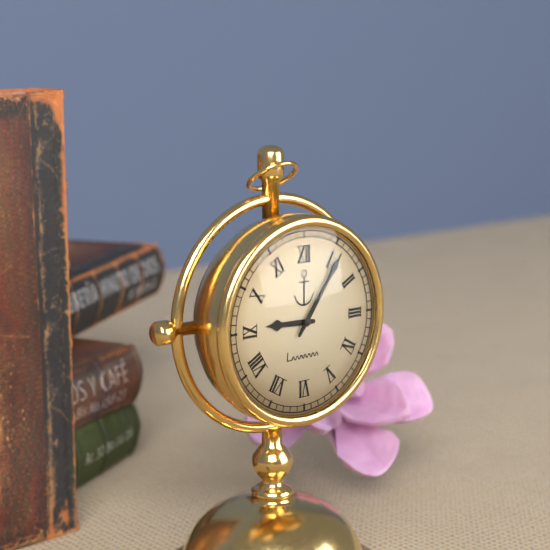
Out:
9.06
